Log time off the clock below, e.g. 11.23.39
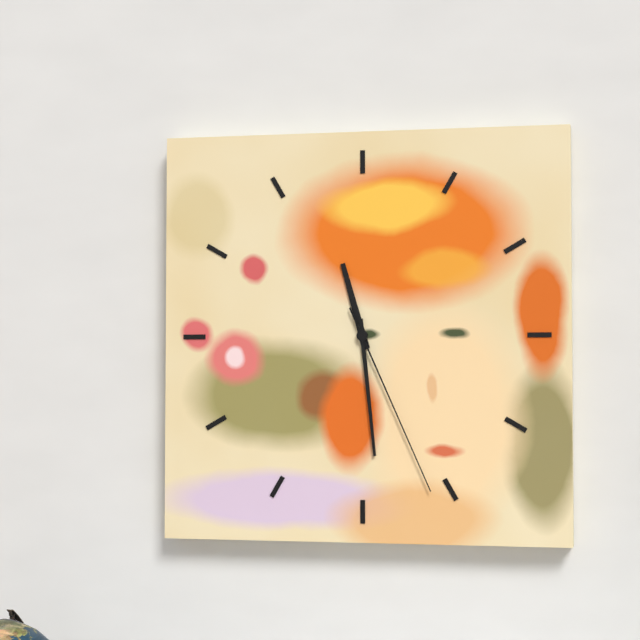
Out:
11.29.26
